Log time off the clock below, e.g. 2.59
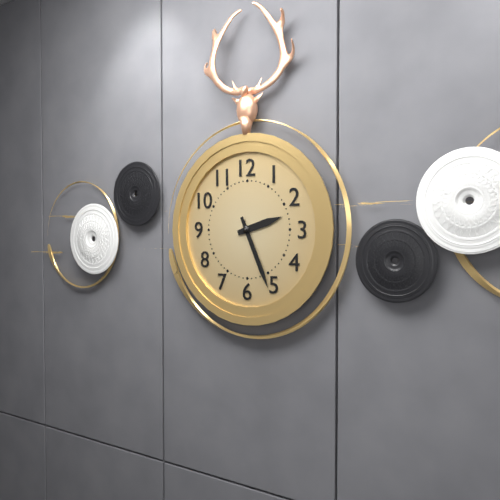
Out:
2.26
